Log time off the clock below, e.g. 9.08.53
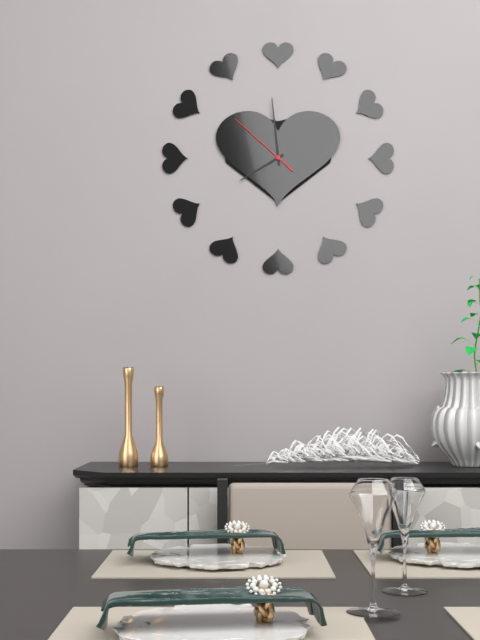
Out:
7.59.52
